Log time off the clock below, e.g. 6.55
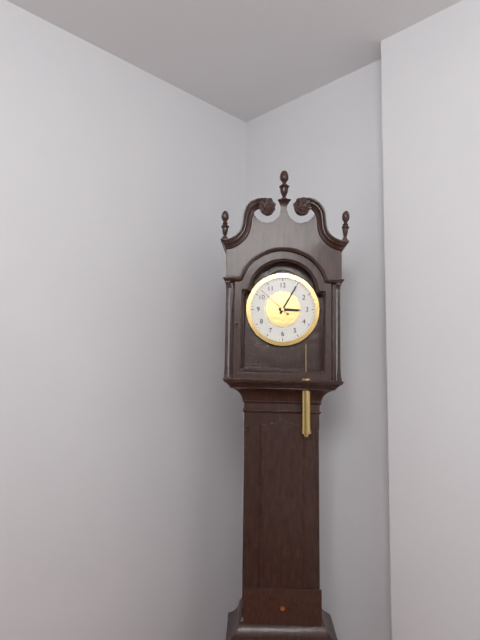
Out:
3.05
